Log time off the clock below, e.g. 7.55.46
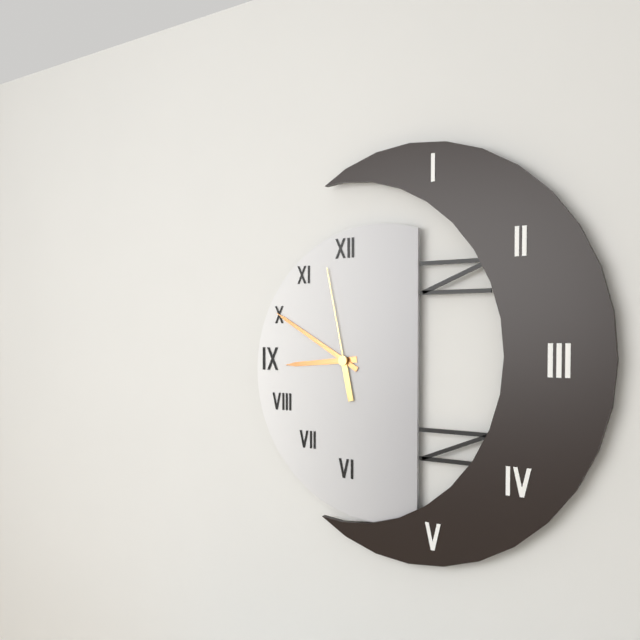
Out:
8.50.58
